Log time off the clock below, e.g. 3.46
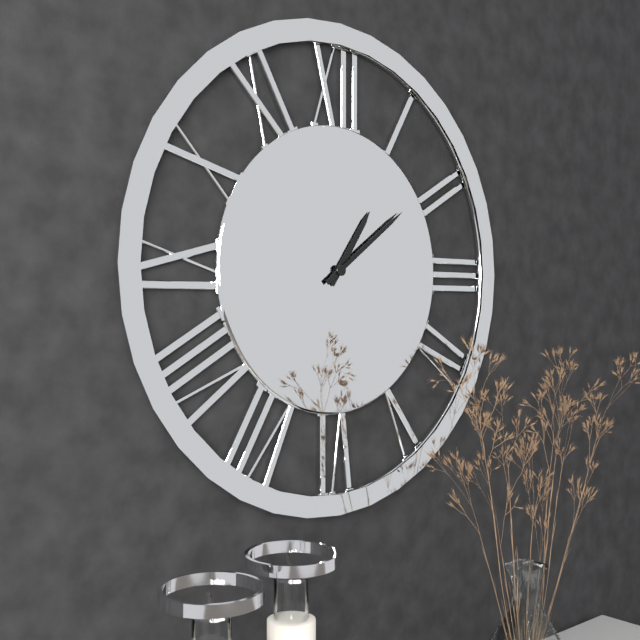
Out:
1.09
